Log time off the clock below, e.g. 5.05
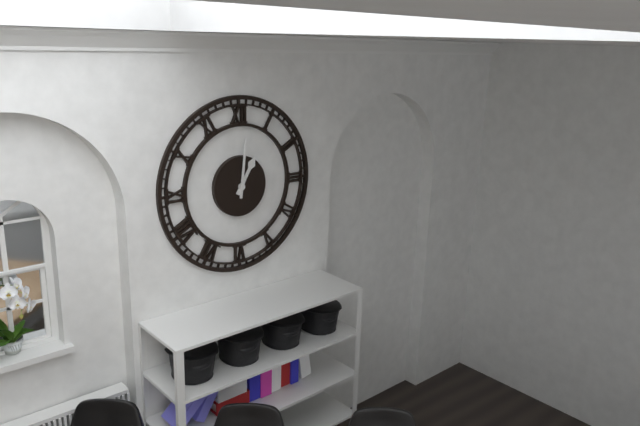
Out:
1.01
